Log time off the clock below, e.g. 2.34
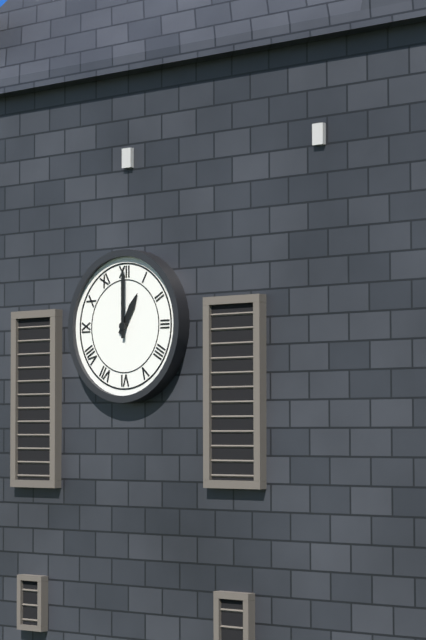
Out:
1.00
